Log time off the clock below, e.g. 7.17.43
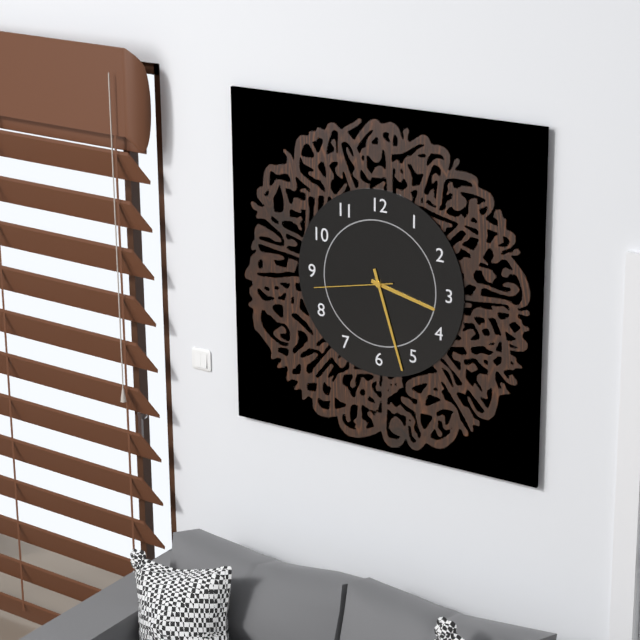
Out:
3.27.43
